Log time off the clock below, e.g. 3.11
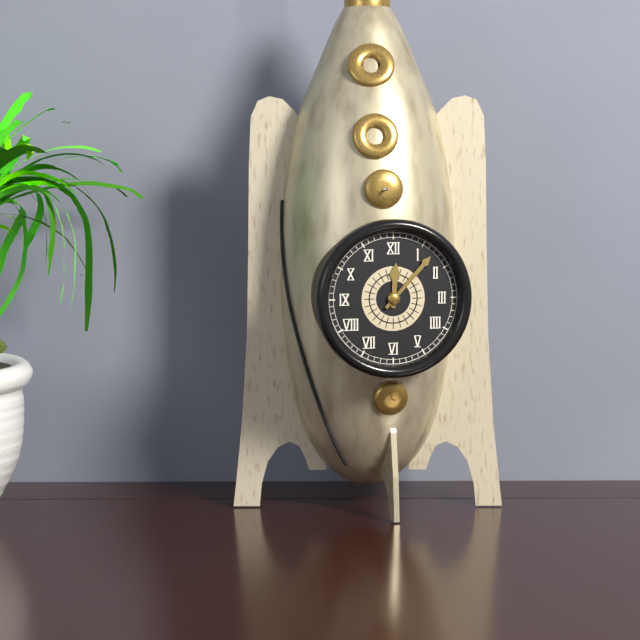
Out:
12.07
